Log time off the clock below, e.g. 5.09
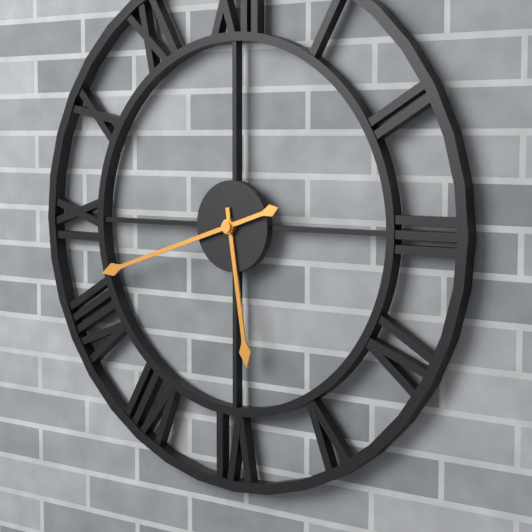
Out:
5.42
